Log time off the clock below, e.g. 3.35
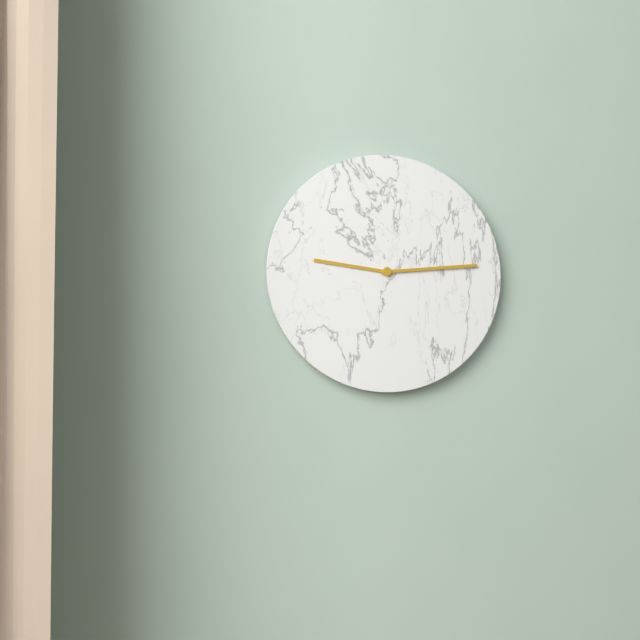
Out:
9.14
